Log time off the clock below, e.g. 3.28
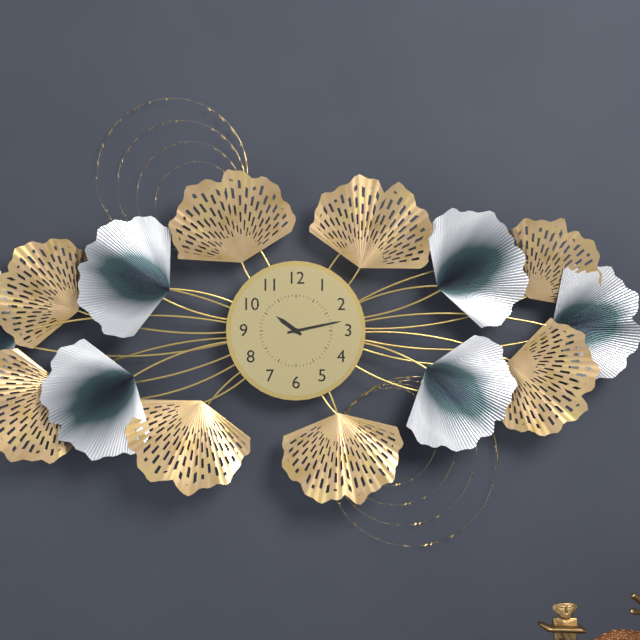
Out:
10.13
